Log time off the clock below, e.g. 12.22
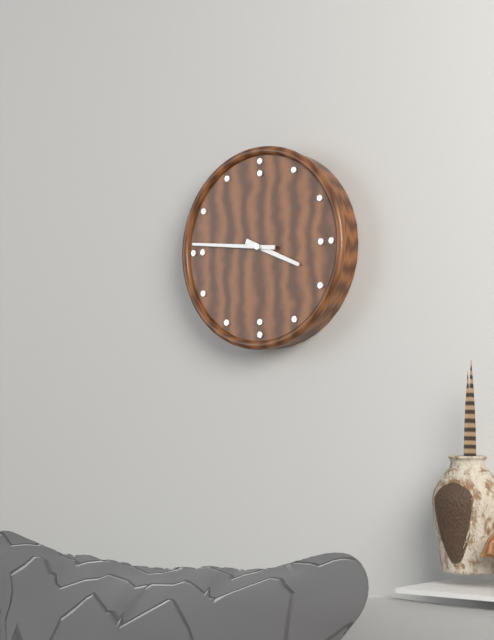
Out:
3.46
